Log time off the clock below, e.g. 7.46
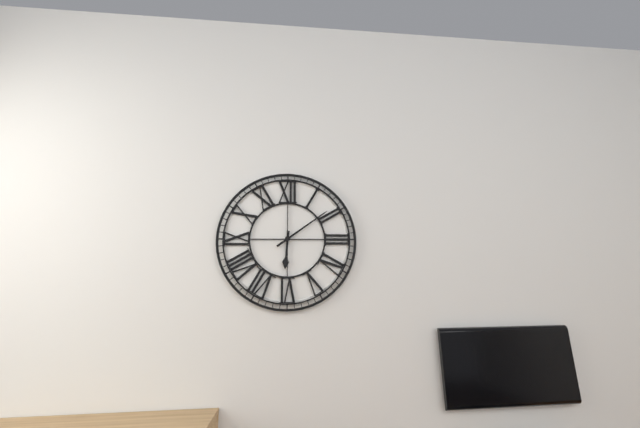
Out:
6.09
